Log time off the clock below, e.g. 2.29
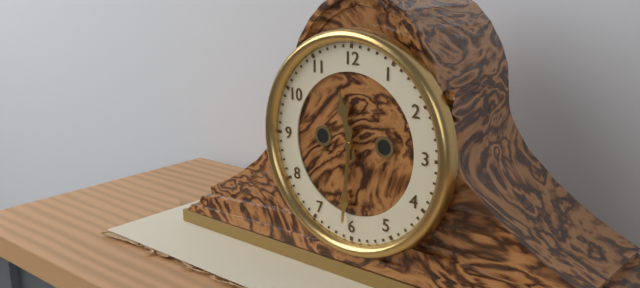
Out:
11.31
